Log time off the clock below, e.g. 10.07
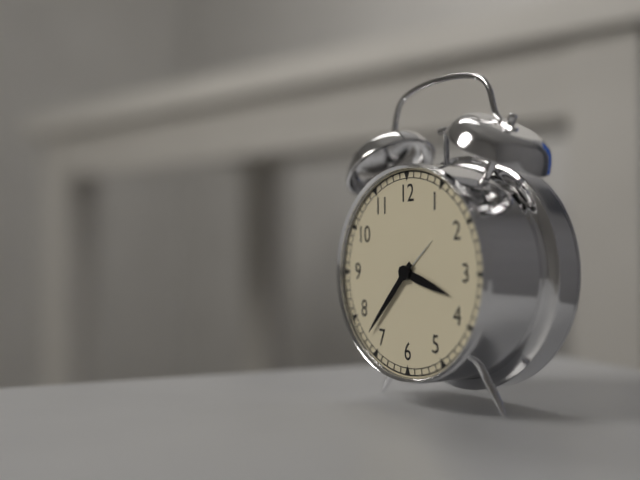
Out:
3.37
